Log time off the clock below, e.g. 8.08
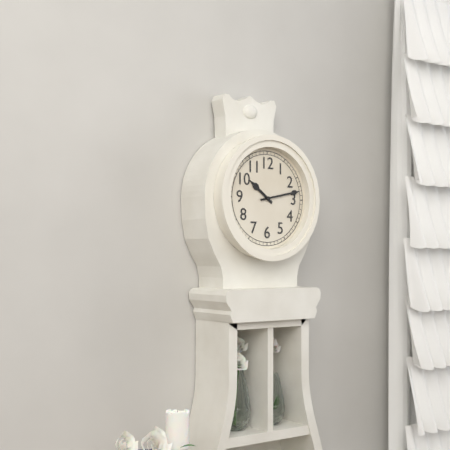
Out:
10.13
